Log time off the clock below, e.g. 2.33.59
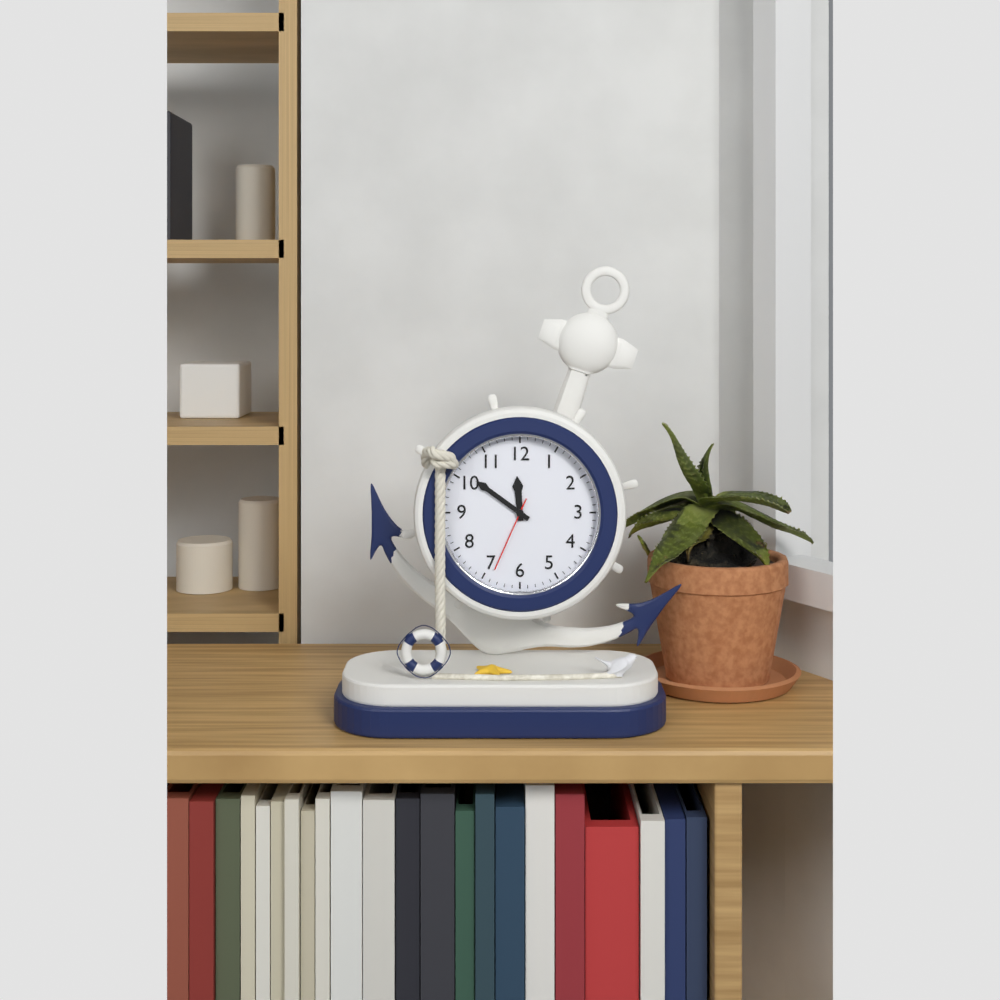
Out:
11.51.34
